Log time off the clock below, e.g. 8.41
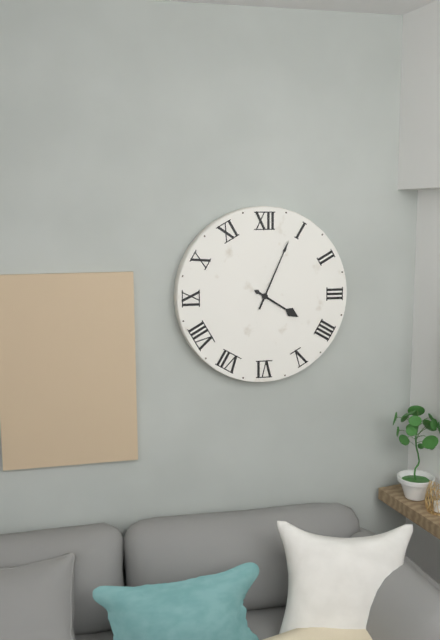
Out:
4.04
